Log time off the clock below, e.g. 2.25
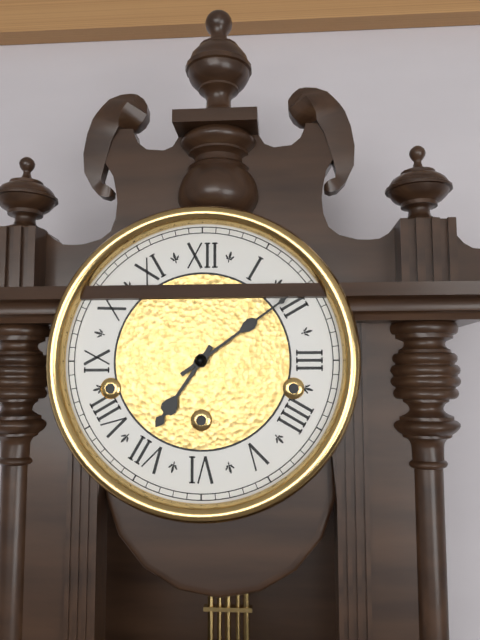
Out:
7.09
